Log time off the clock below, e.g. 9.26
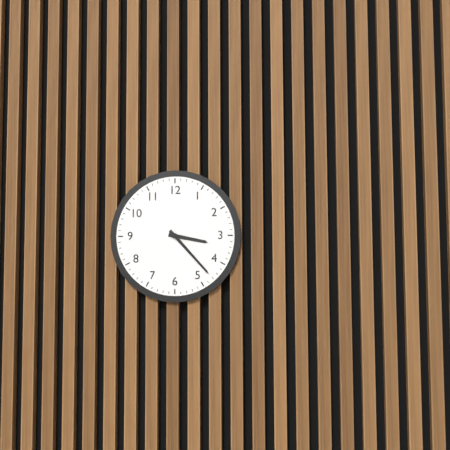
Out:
3.23
